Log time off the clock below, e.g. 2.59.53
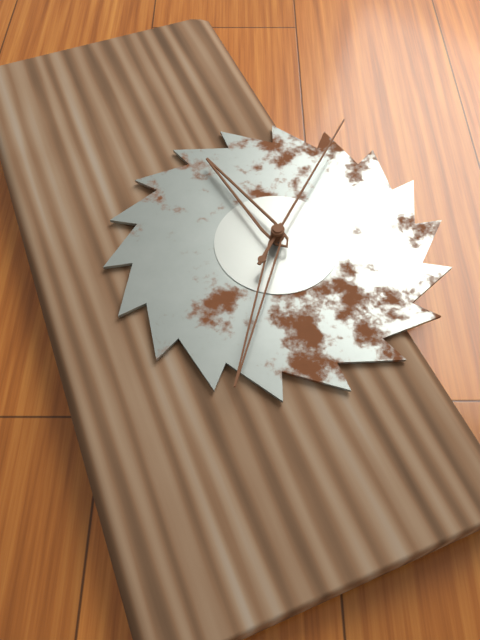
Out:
11.36.08
